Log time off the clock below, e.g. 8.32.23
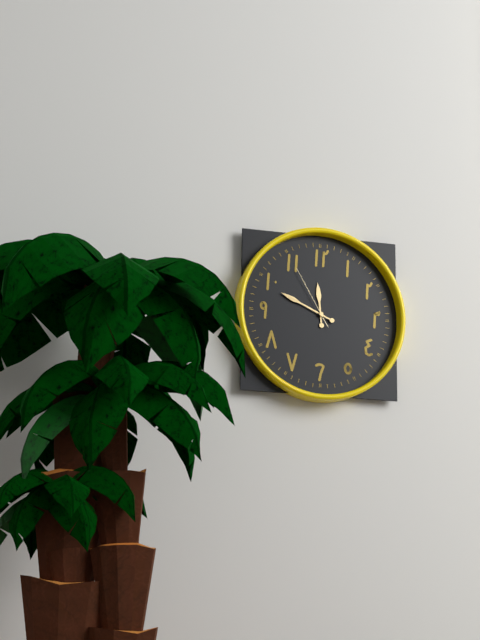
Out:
11.49.55
